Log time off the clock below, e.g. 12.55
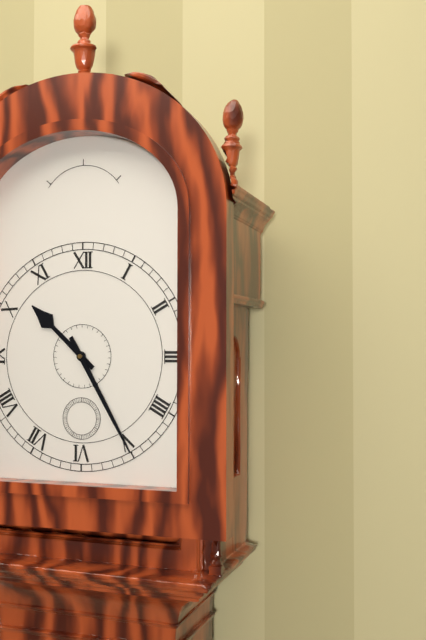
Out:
10.25
